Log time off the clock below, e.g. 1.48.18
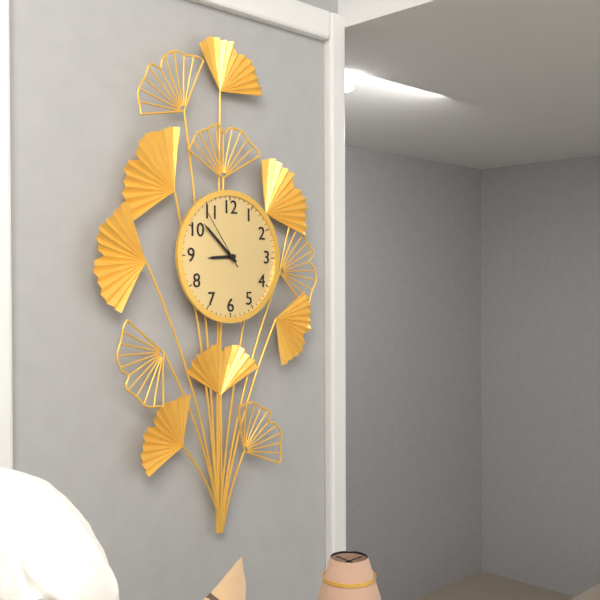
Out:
8.52.54
